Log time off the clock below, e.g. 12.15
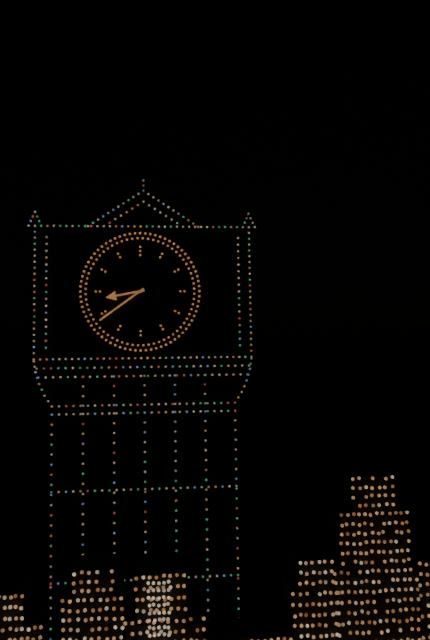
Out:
8.39
